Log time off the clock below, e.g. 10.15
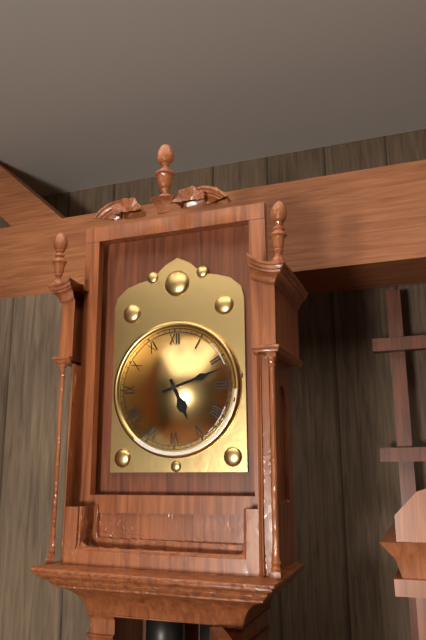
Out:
5.12
